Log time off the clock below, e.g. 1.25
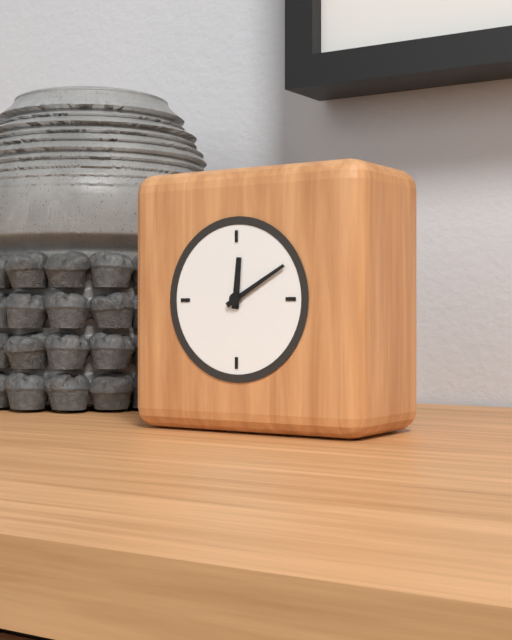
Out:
12.10
